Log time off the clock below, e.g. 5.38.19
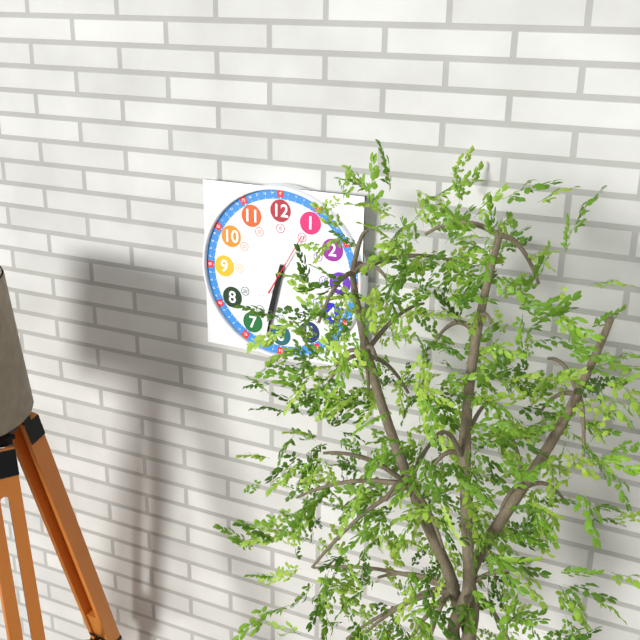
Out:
6.32.05
